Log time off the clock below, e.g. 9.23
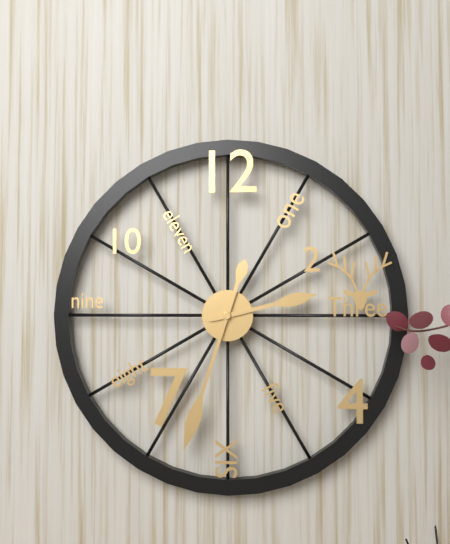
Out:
2.33
